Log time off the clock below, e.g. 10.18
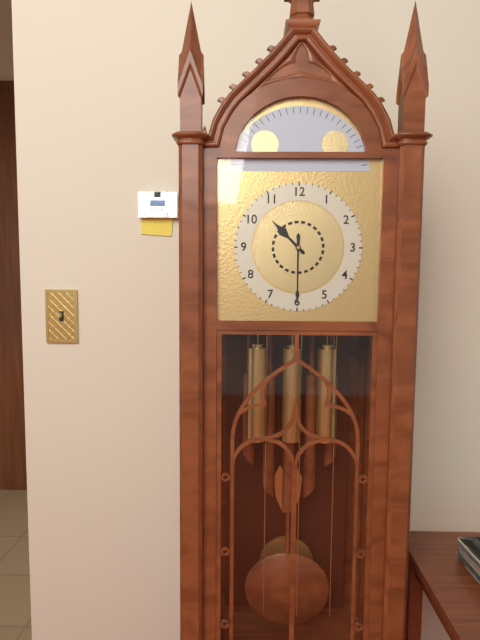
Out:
10.30
